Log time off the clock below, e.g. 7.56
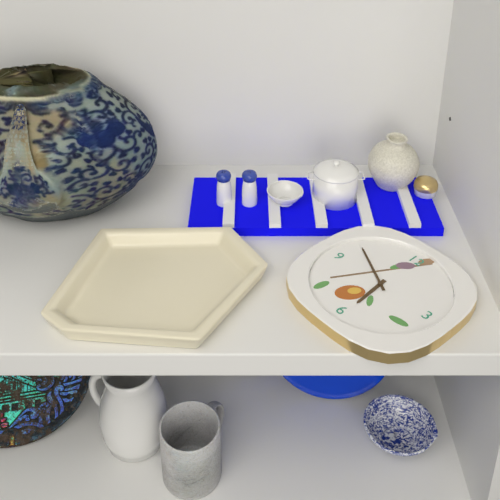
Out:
5.50
